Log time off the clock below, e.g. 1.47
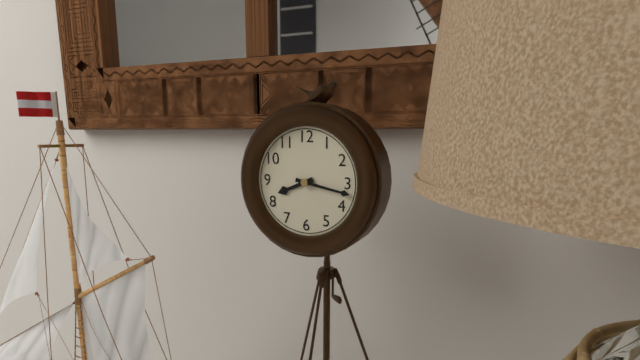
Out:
8.17
